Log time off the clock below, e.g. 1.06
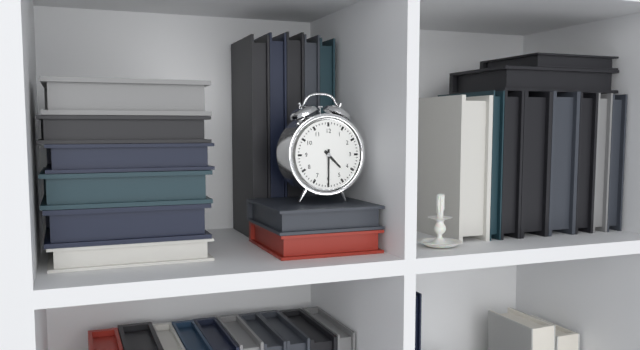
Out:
4.30
